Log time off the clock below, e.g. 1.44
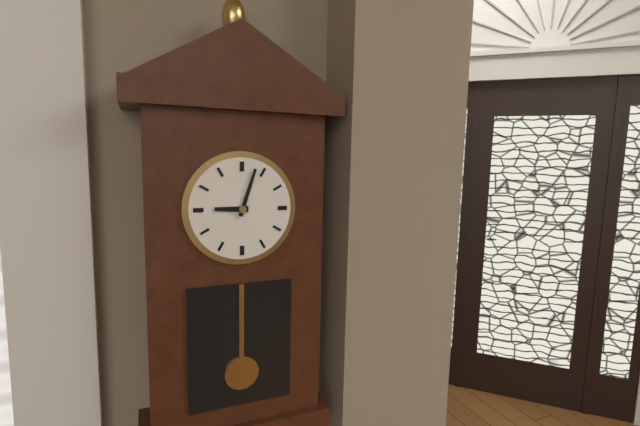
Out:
9.03
